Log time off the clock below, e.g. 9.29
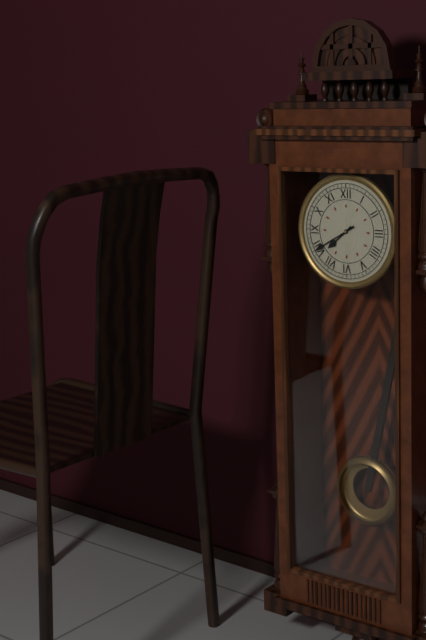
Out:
7.40
